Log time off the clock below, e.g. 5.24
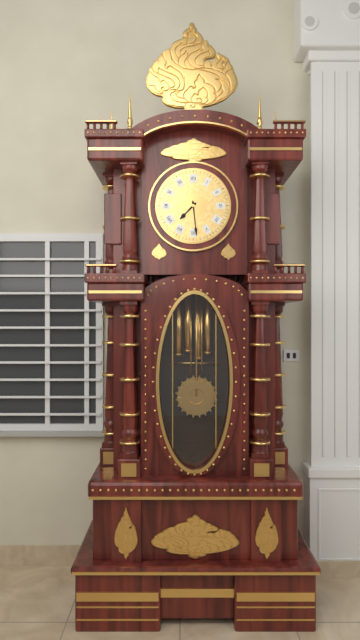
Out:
7.29
